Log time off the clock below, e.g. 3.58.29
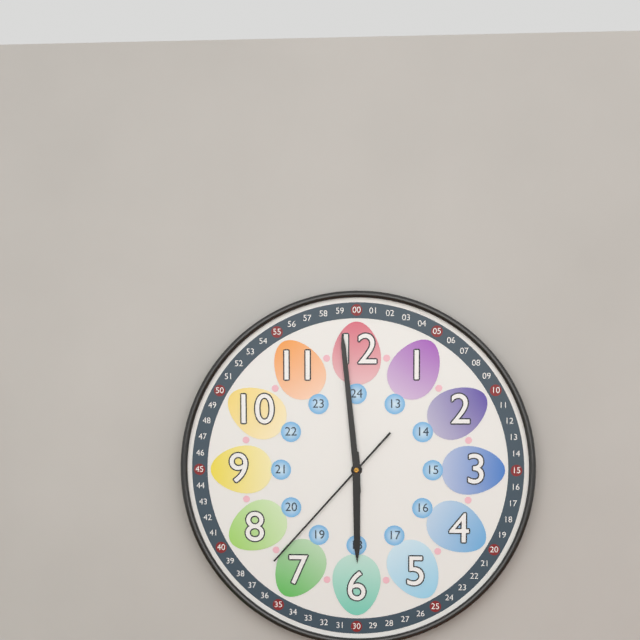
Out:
5.59.37
